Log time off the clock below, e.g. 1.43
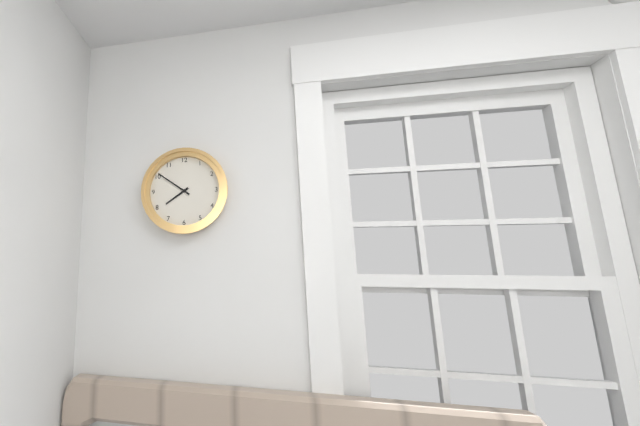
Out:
7.51
